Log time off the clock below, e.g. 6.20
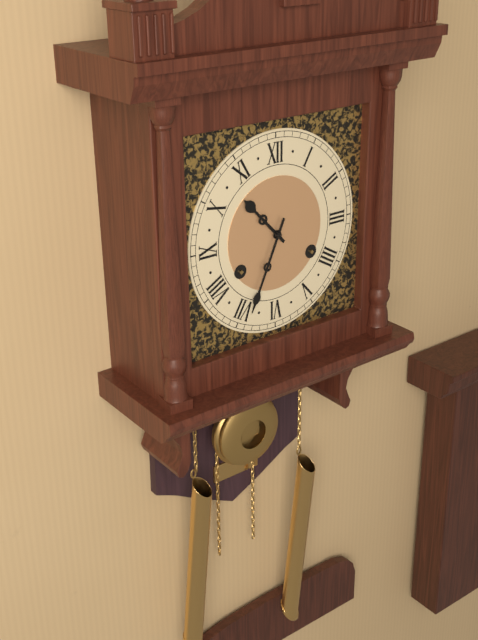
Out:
10.34
